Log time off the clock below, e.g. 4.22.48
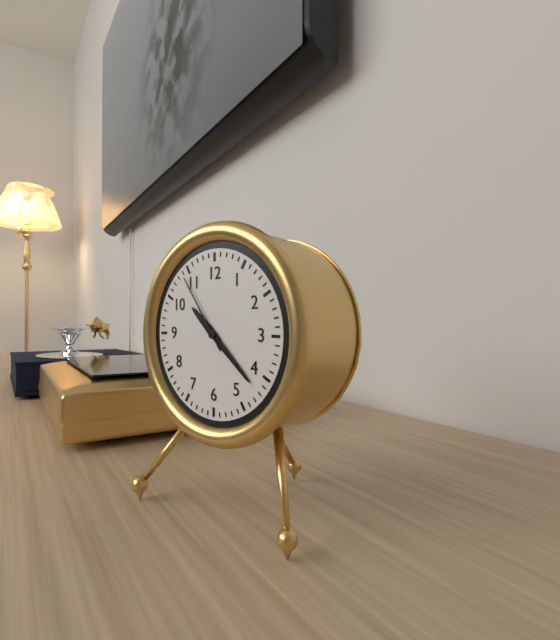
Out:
10.22.54
